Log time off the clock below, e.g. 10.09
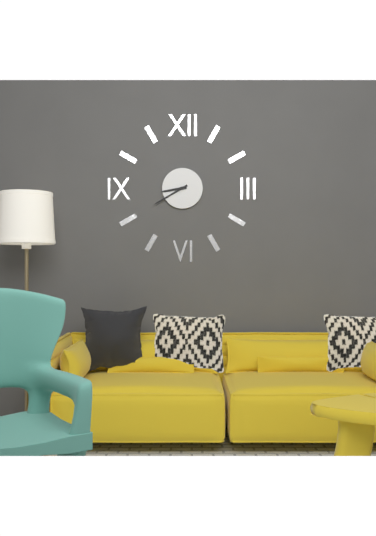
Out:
8.40
